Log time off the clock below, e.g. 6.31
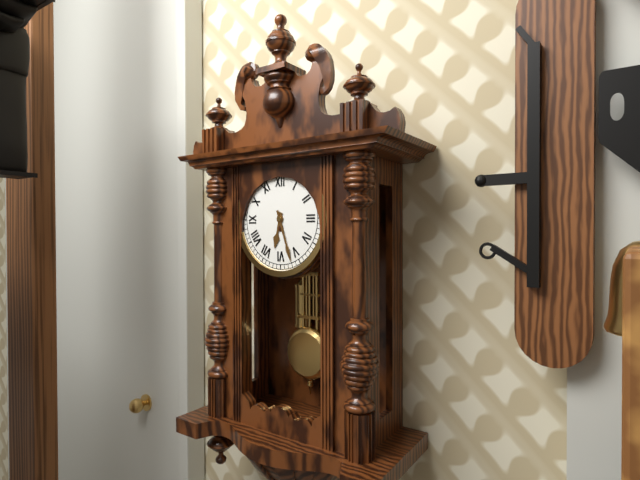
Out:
6.27
